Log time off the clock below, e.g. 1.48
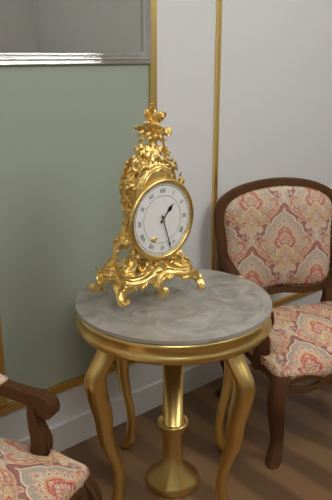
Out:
1.27
